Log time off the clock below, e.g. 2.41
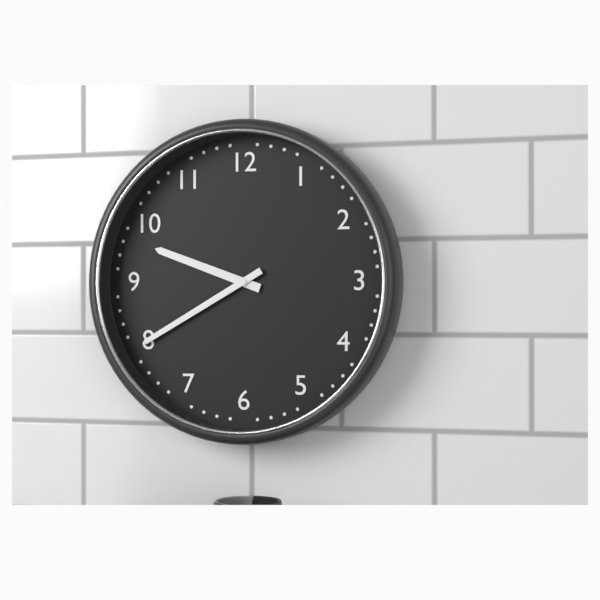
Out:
9.40
